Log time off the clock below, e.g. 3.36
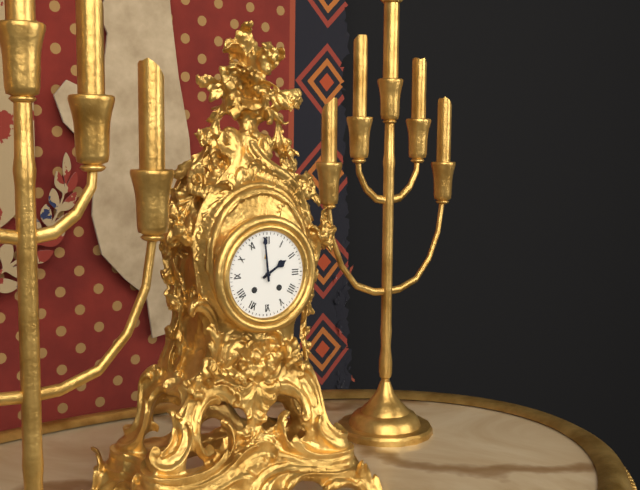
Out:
1.59
